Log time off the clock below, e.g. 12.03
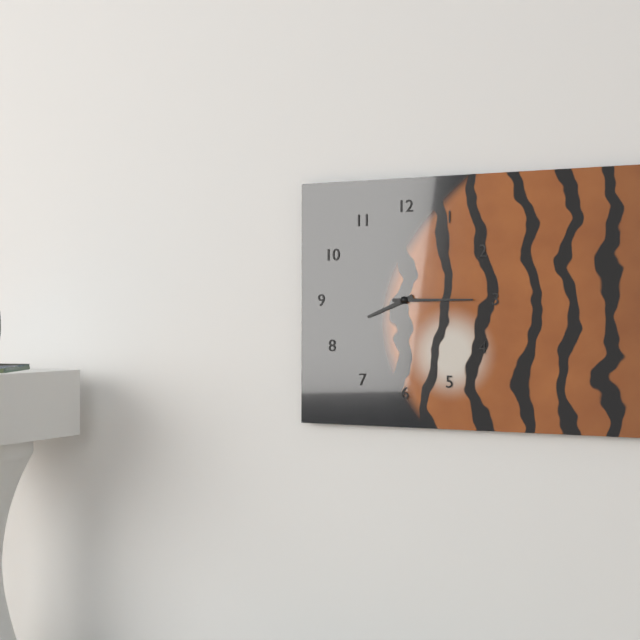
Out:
8.15
